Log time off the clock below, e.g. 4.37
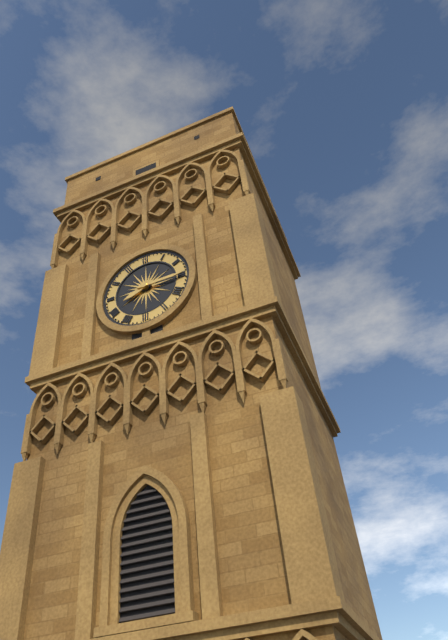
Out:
8.15
